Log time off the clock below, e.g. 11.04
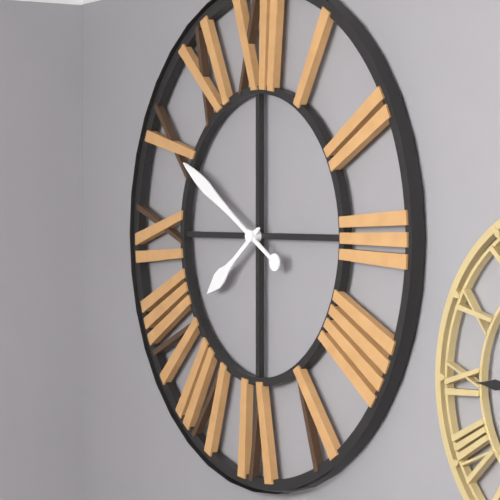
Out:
7.50
